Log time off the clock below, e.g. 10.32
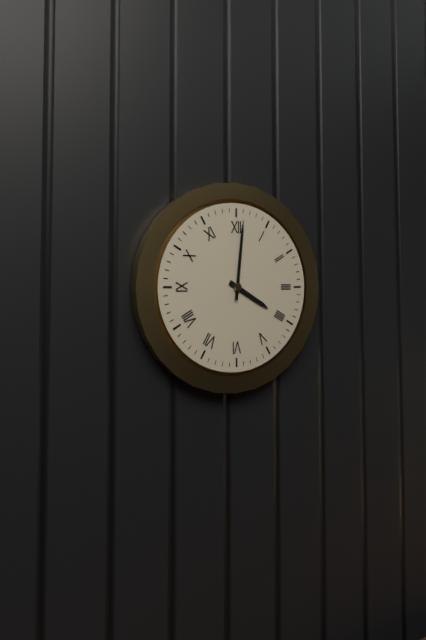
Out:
4.01
